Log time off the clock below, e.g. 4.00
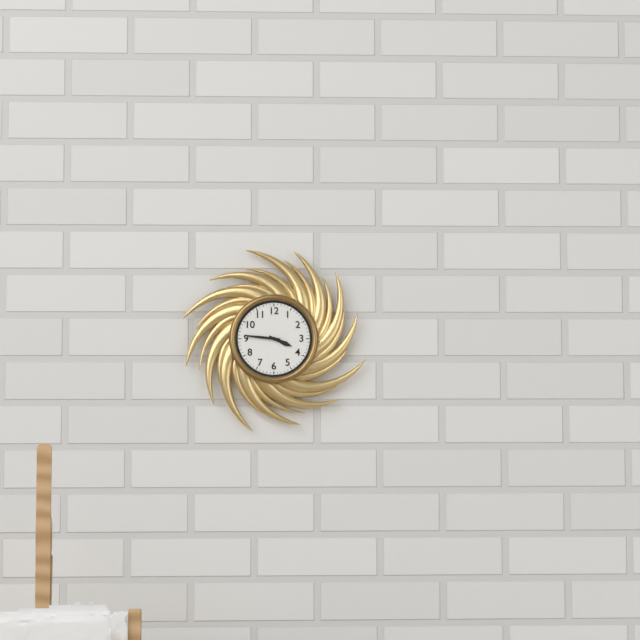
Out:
3.46
